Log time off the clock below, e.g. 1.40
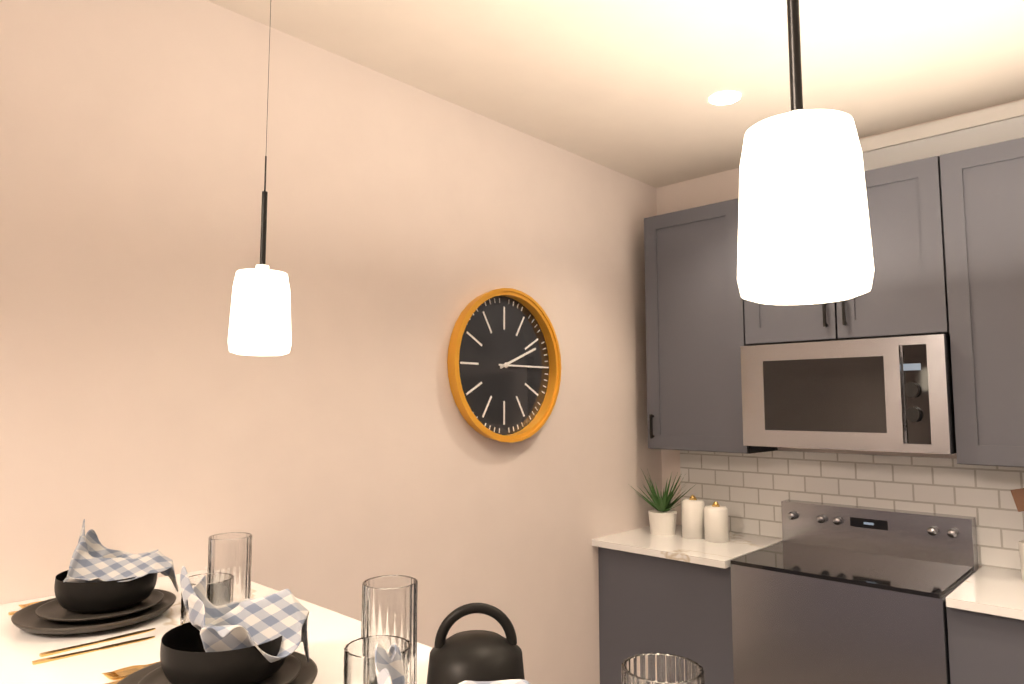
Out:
2.15
